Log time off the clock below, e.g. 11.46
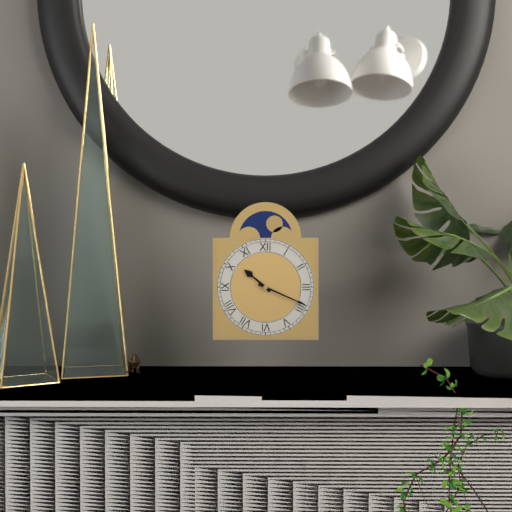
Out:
10.19
